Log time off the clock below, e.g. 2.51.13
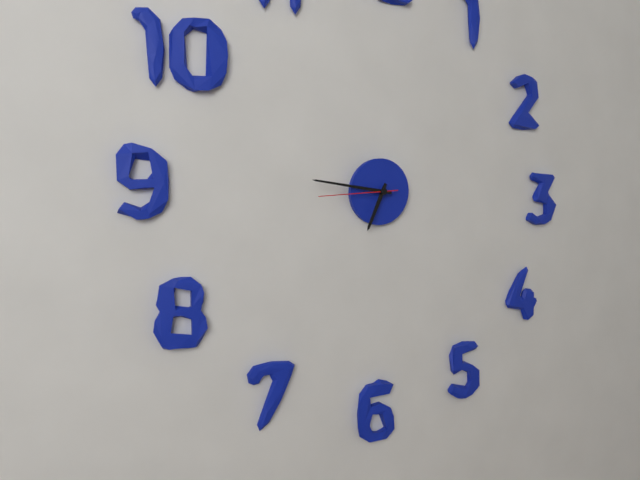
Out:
6.46.44
